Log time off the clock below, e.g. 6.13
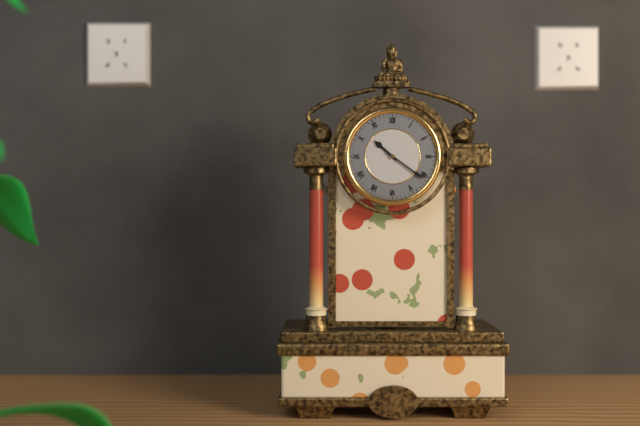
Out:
10.21
